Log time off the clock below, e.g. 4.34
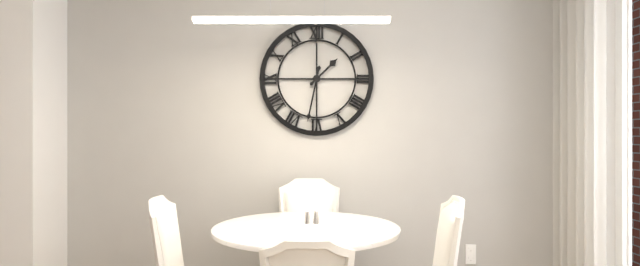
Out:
1.32
